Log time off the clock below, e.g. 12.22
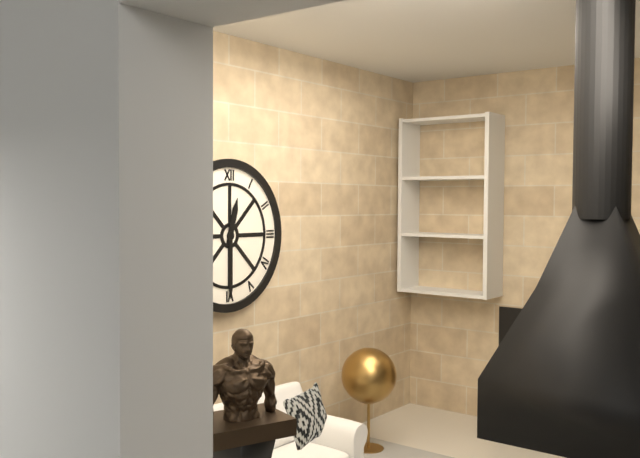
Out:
12.30
